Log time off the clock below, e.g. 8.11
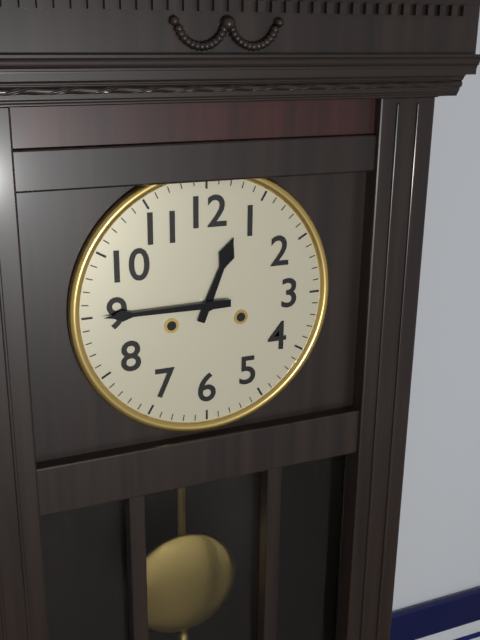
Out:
12.45
